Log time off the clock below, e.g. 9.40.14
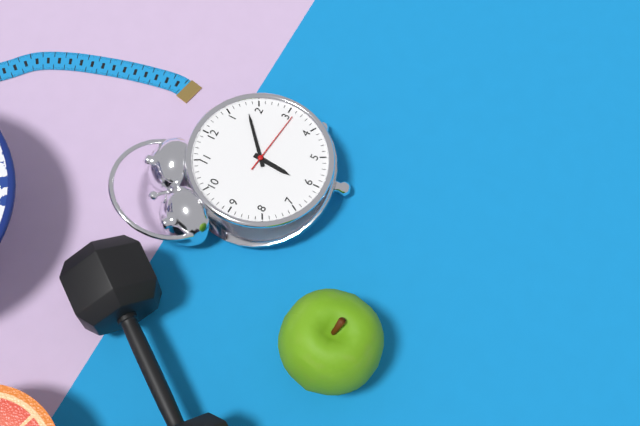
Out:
6.08.16
